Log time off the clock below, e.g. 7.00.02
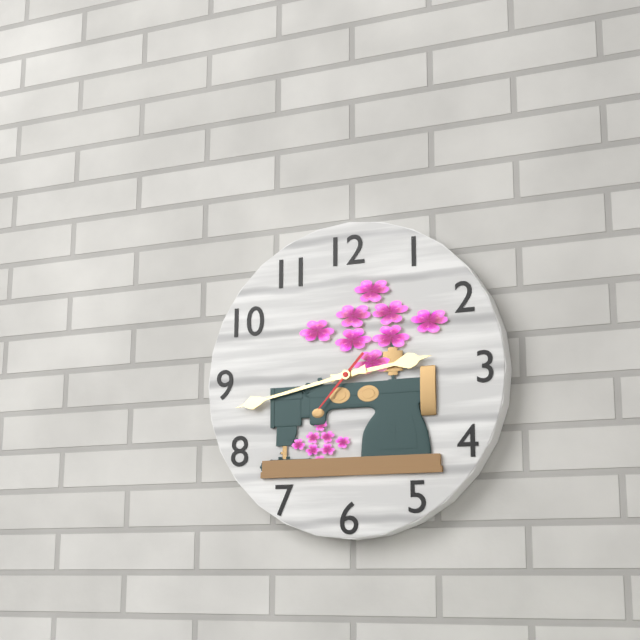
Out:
2.43.37
